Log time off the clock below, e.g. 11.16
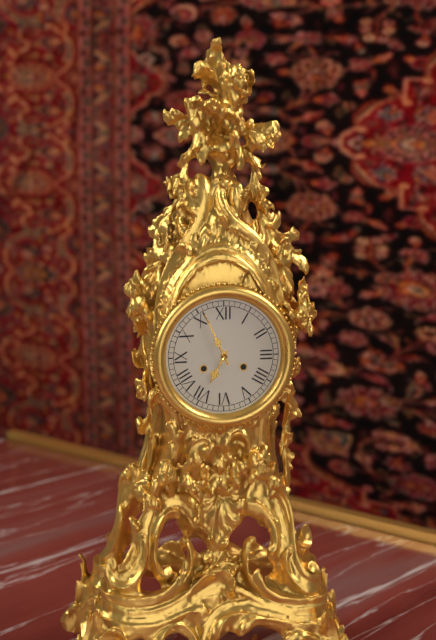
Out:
6.56
